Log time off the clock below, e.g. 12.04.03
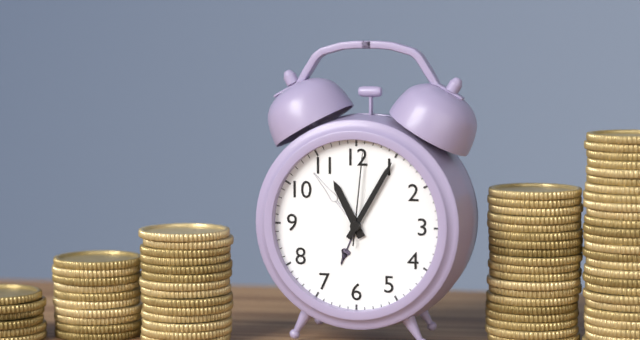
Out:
11.05.01
